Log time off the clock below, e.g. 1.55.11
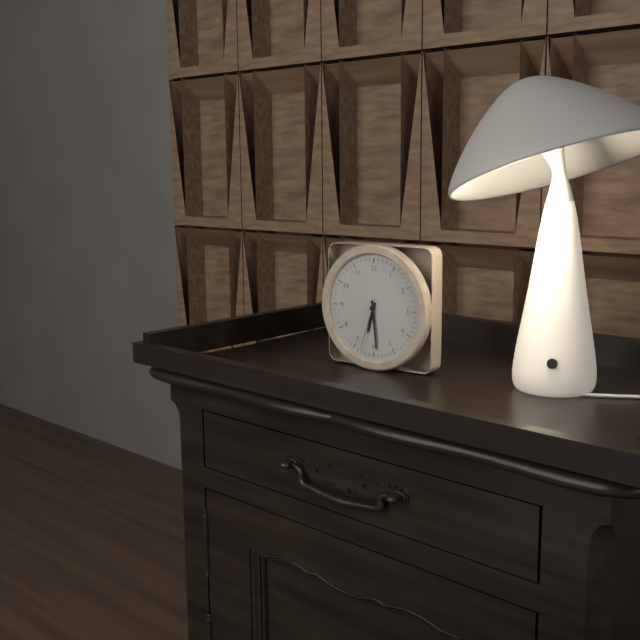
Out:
6.29.33
